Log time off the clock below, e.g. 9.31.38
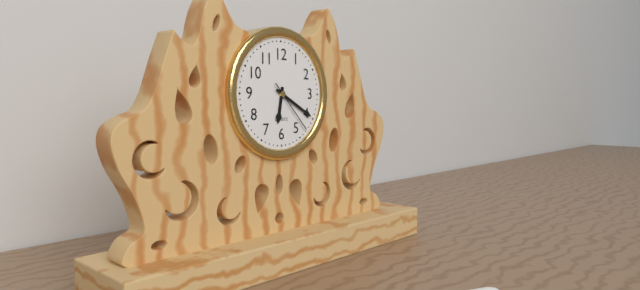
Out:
6.20.23
